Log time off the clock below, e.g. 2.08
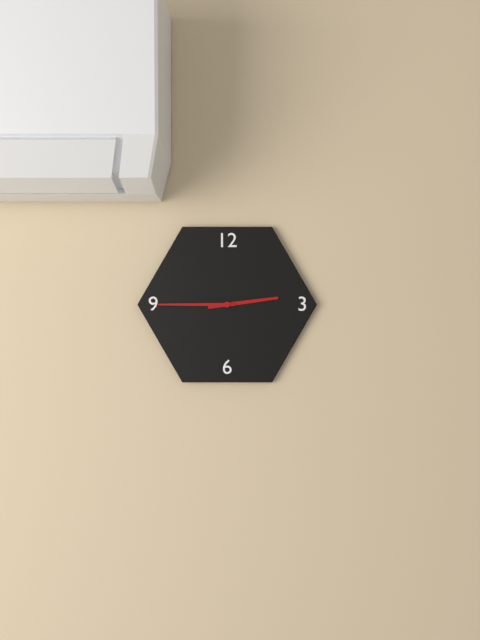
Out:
2.45
